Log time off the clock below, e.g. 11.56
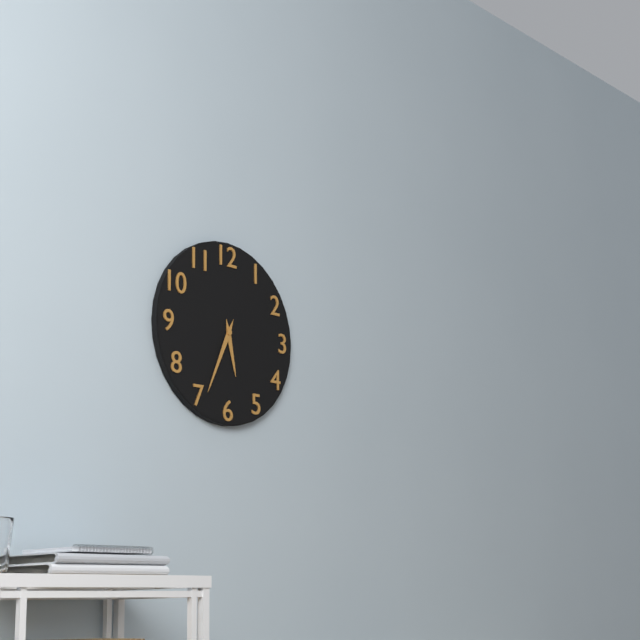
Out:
5.34
